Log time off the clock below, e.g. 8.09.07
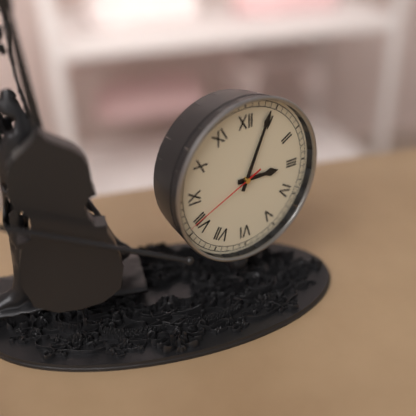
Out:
3.04.41
